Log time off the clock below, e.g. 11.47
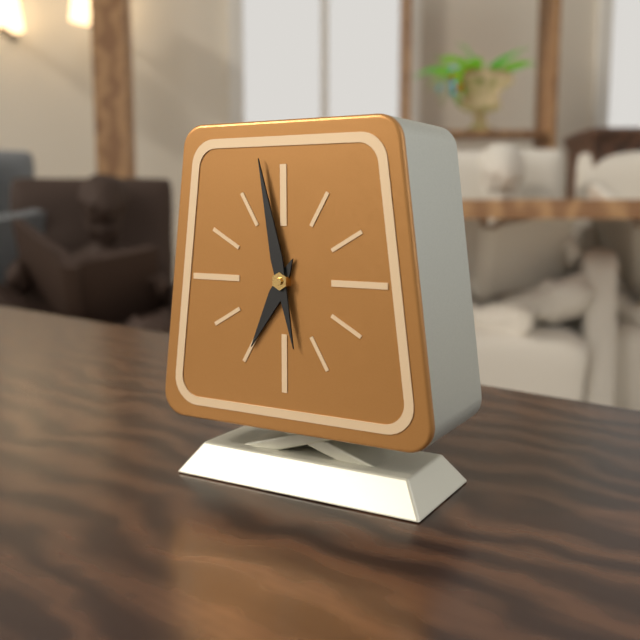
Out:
6.58
